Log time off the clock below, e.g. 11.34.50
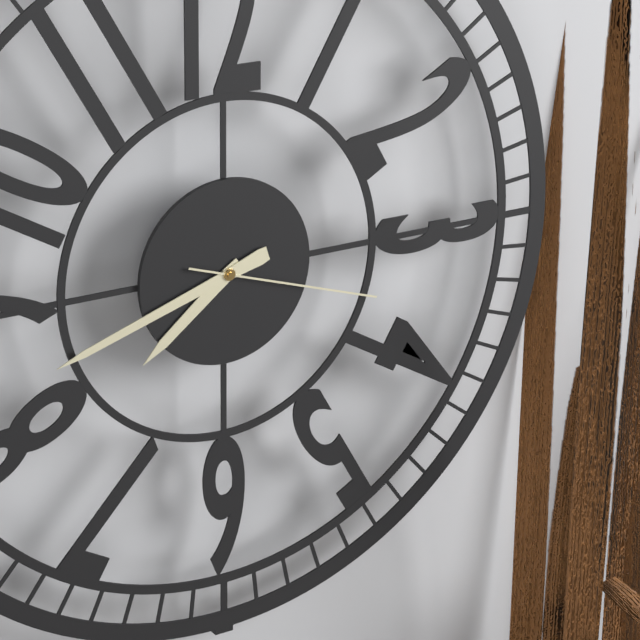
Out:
7.42.18
